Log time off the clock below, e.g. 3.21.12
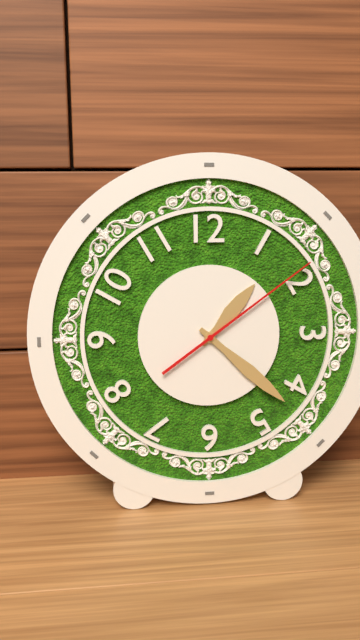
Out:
1.22.09
